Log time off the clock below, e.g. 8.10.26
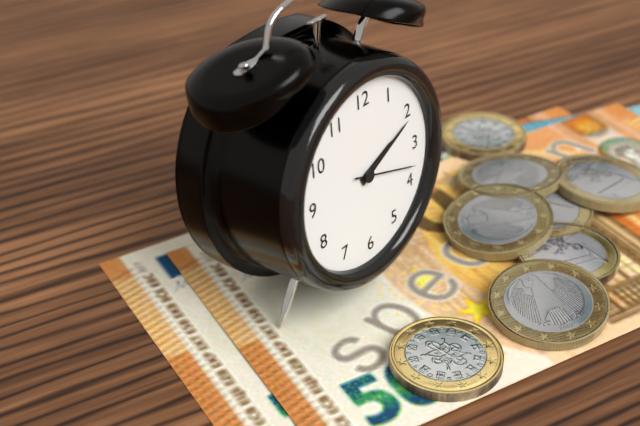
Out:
2.11.18
